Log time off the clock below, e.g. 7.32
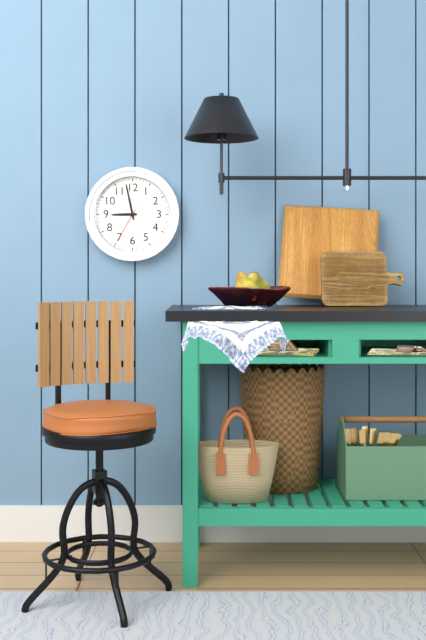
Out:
8.58
